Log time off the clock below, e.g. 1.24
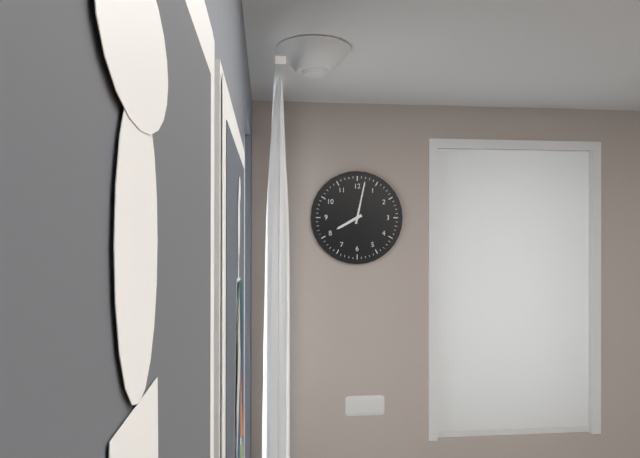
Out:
8.02
